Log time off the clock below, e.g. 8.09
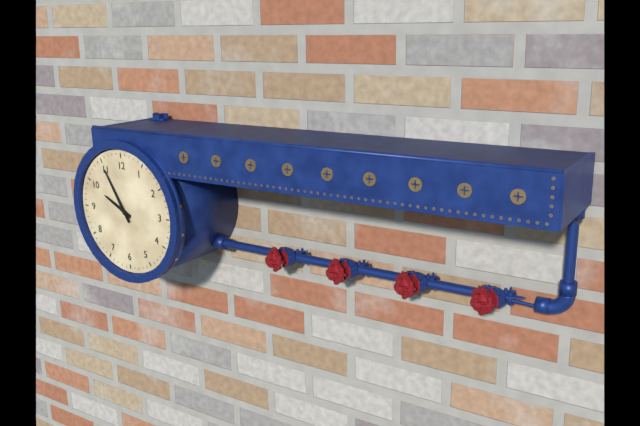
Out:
9.55
